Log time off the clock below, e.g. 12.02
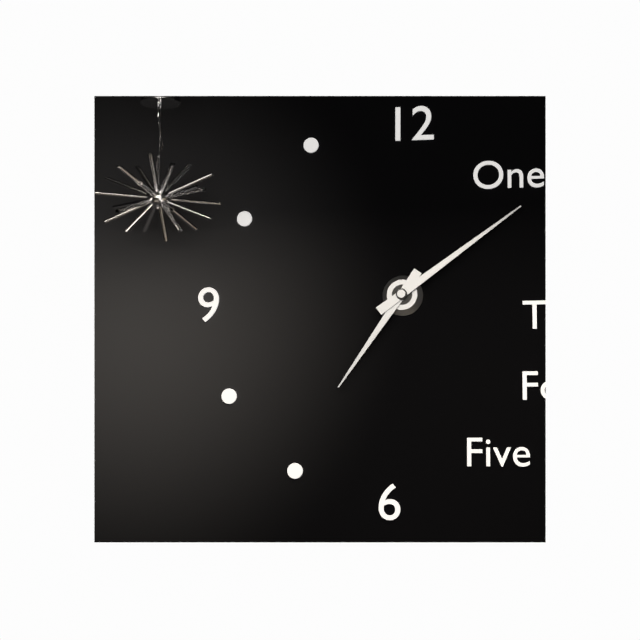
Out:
7.09
